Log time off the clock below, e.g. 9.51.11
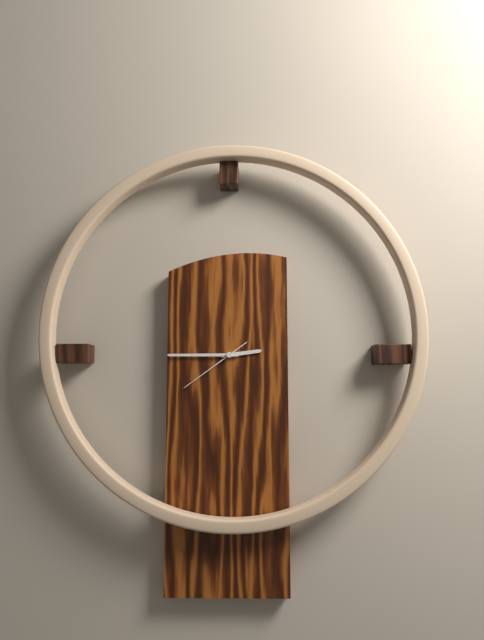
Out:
2.45.39
